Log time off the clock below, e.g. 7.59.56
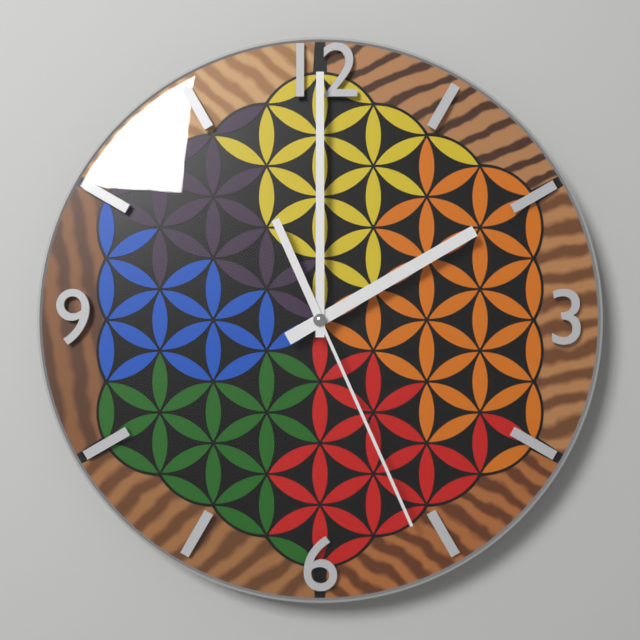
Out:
2.00.26
